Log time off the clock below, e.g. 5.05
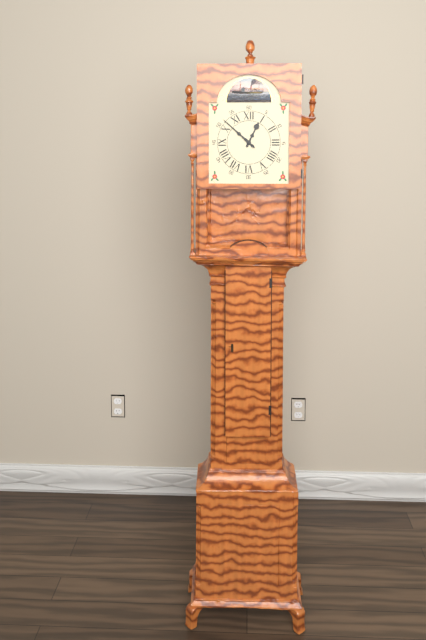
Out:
12.52
